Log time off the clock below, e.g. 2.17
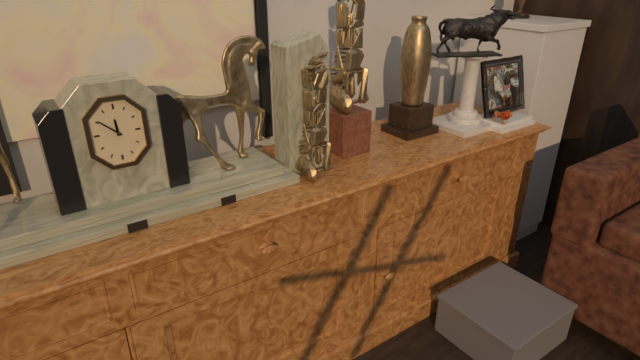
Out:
11.52
